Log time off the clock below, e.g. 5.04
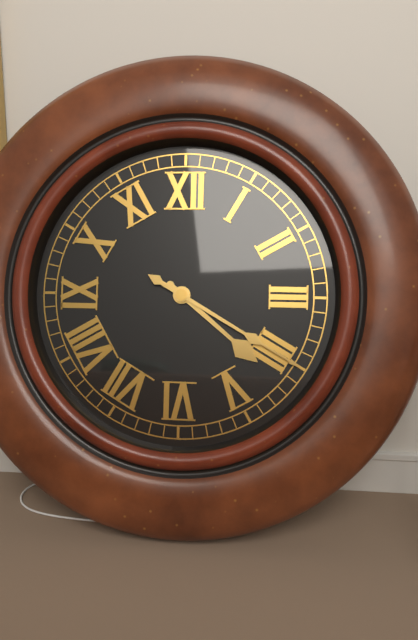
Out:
4.20
